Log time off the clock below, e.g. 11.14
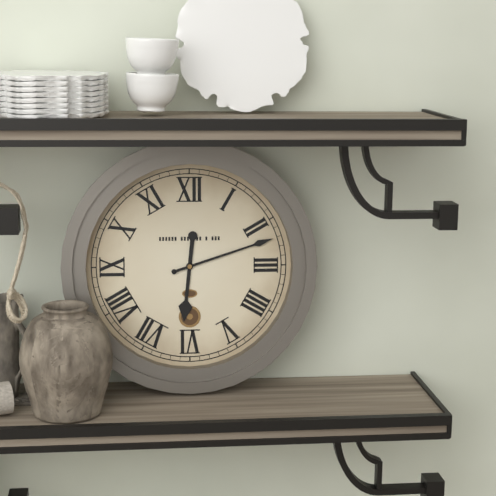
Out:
6.12
